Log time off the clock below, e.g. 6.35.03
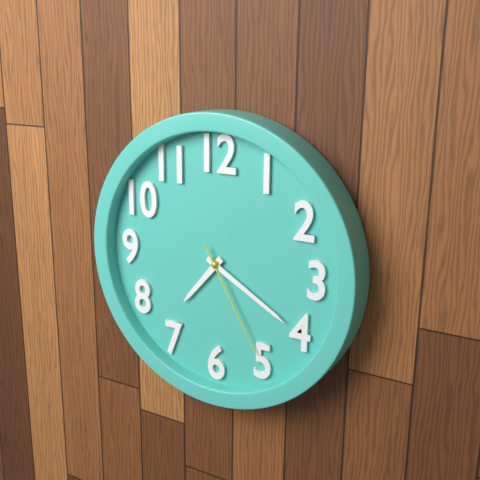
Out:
7.20.25
